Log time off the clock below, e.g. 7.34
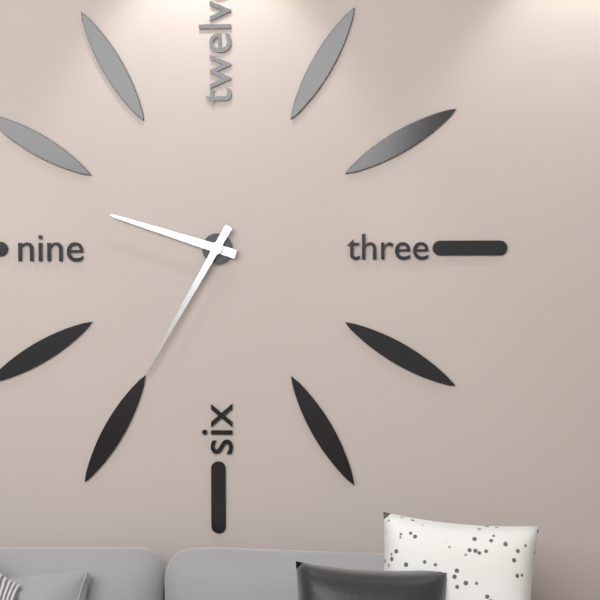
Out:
9.35
